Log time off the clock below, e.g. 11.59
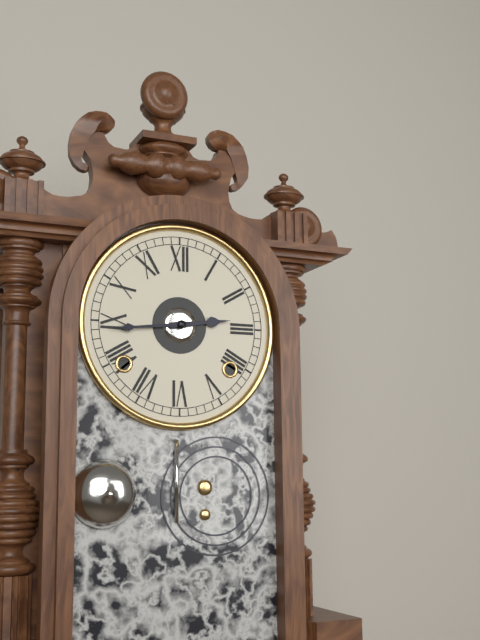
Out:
2.44
